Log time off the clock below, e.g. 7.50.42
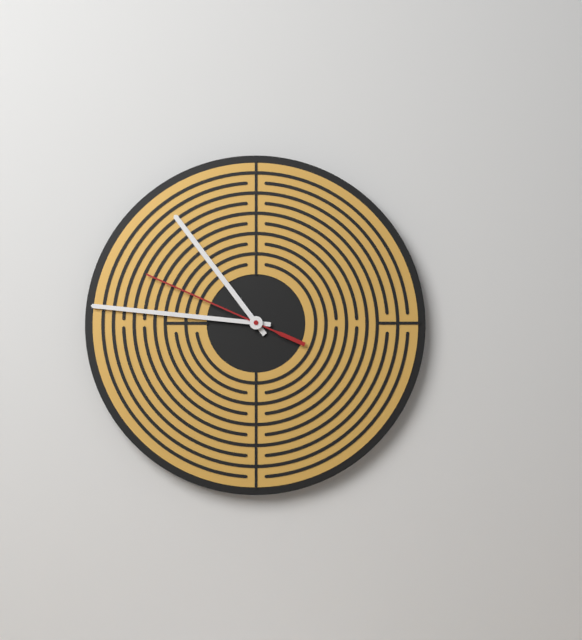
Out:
10.46.49
